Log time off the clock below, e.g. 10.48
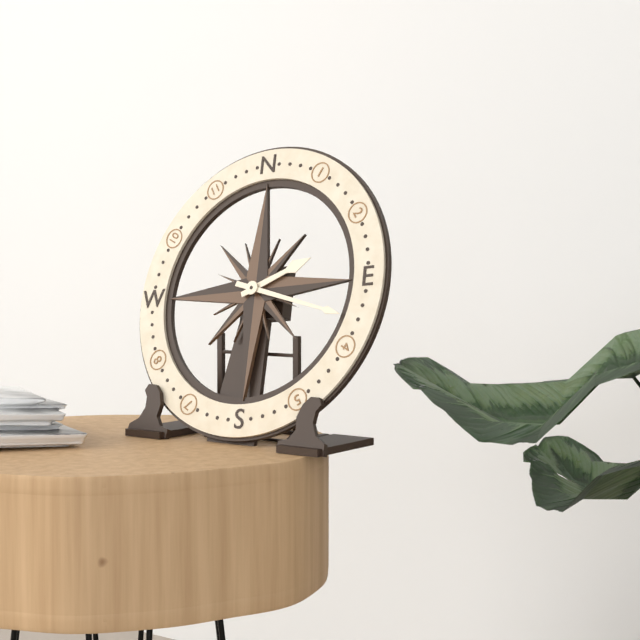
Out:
2.18
